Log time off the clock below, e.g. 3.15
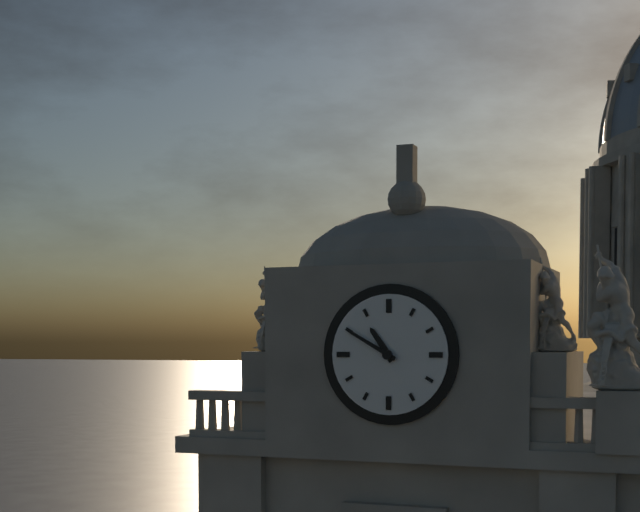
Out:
10.50
